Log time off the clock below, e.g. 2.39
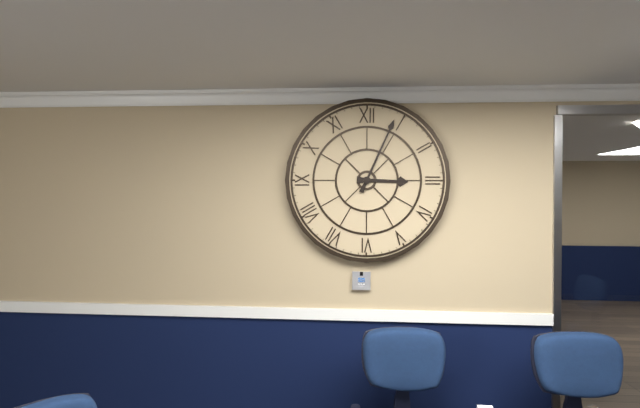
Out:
3.04
